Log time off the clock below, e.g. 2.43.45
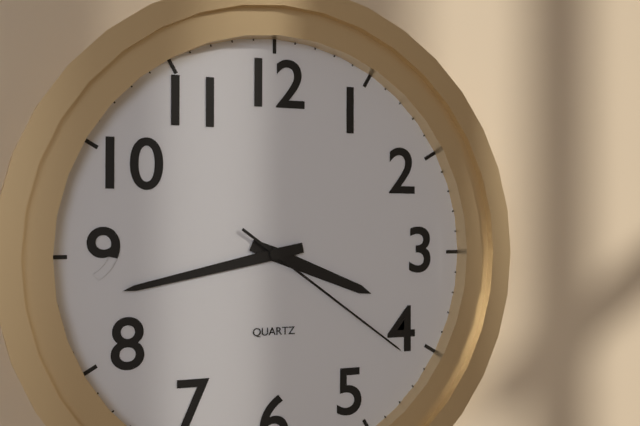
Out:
3.43.21
